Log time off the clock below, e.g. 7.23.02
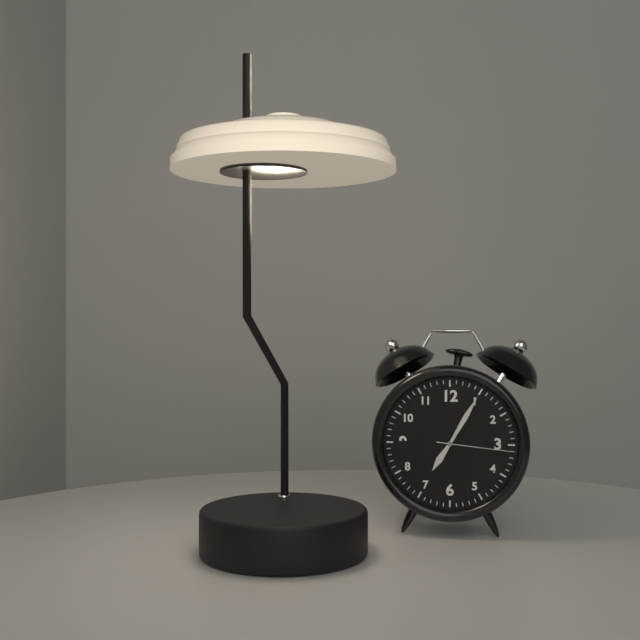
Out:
7.05.16
